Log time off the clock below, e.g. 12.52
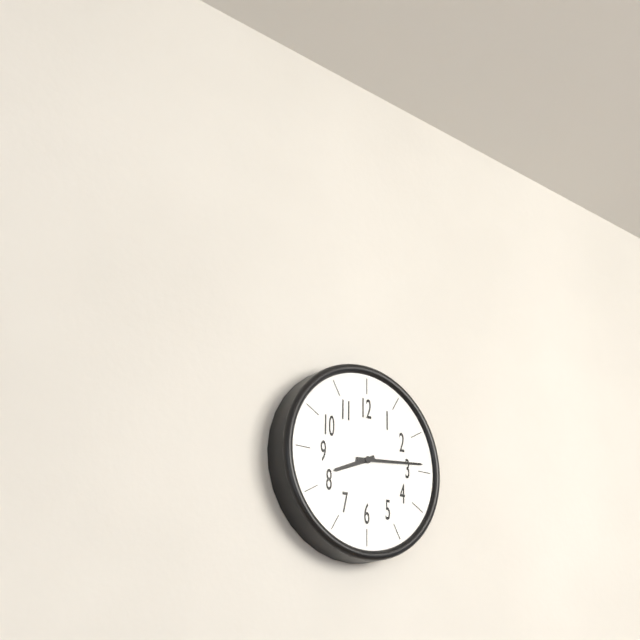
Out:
8.14
